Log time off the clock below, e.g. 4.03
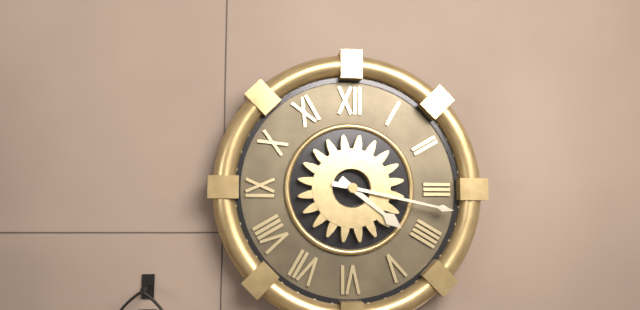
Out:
4.17
